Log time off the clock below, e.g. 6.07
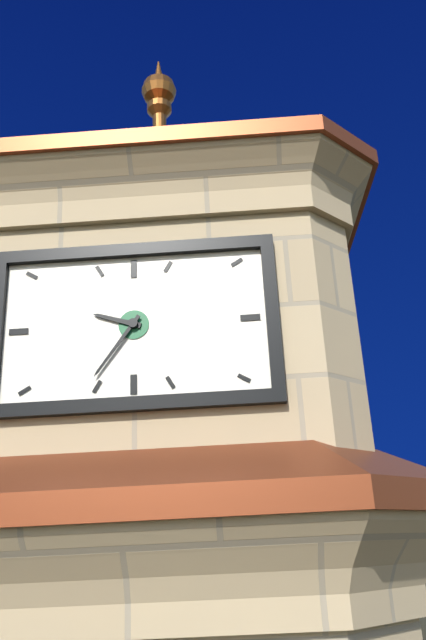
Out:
9.36
